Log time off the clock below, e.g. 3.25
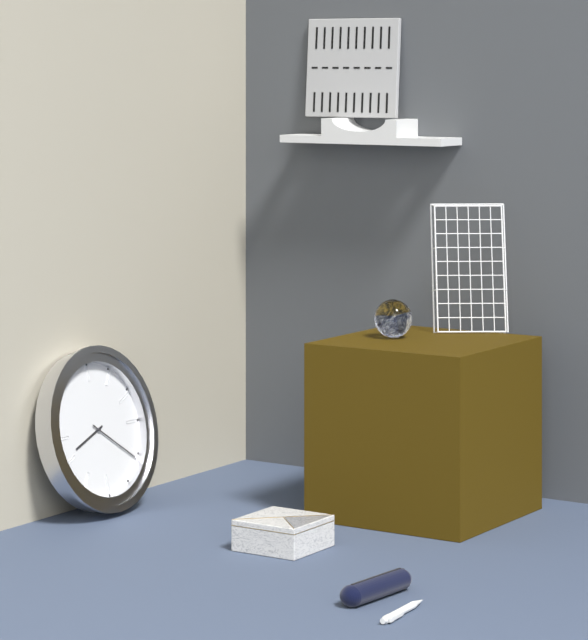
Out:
8.21
